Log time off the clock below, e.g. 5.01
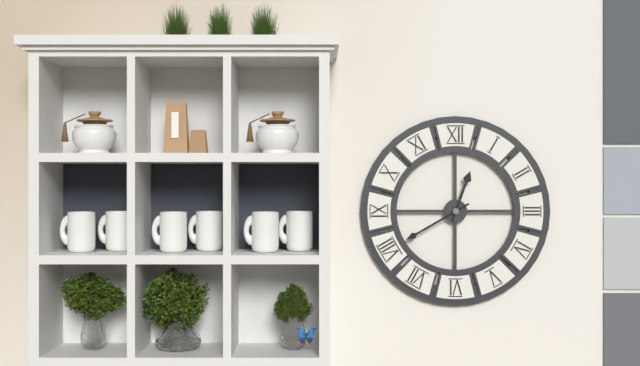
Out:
12.40
